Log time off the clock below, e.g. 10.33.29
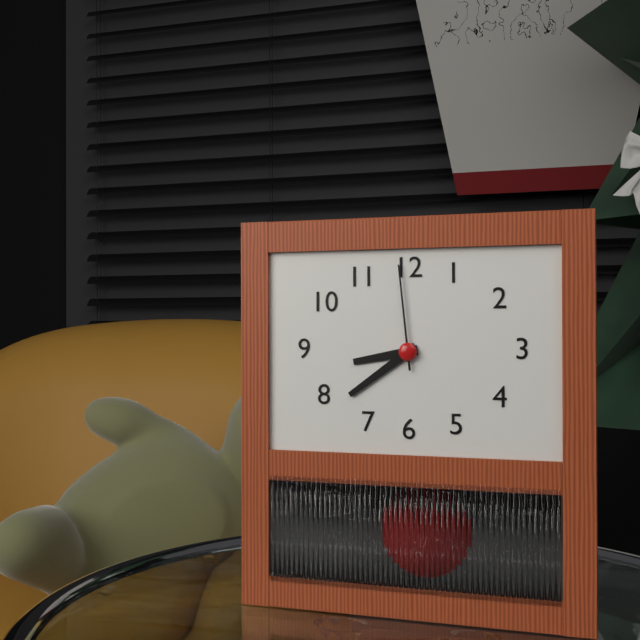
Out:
8.39.59
